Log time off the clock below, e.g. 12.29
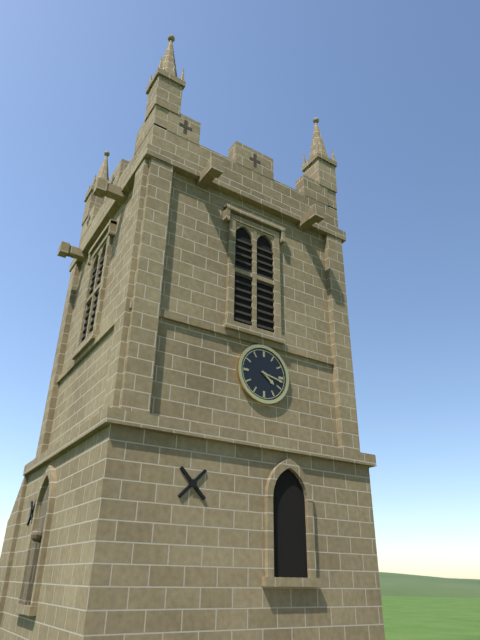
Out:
4.17
